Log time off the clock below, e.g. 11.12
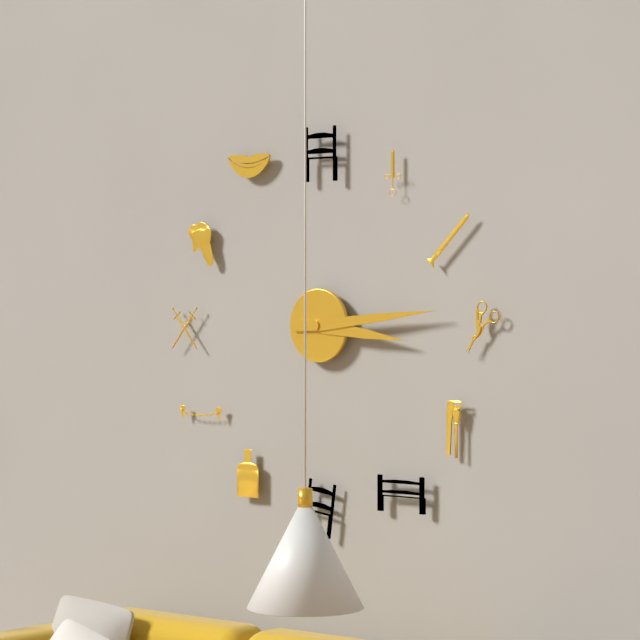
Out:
3.14
